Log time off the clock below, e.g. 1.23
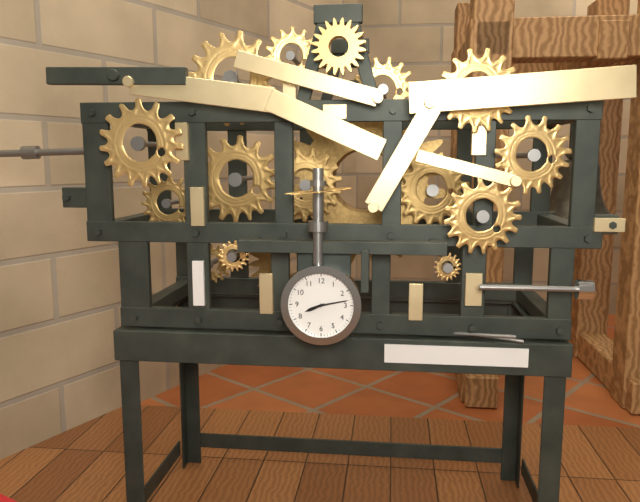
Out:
8.13
